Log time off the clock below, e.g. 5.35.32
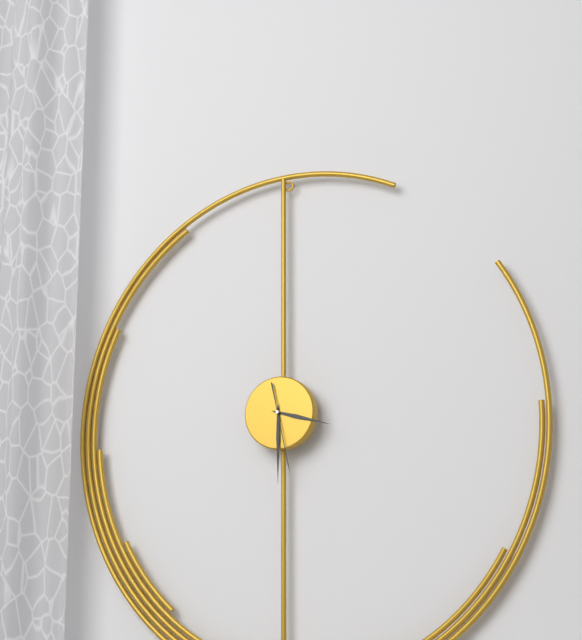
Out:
3.30.28
